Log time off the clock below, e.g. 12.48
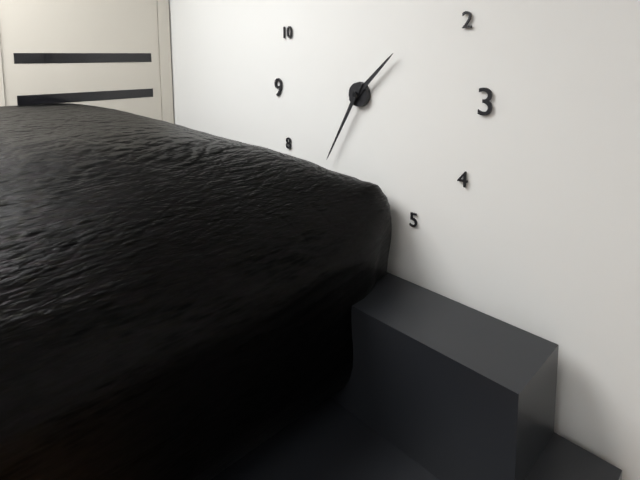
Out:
1.35
